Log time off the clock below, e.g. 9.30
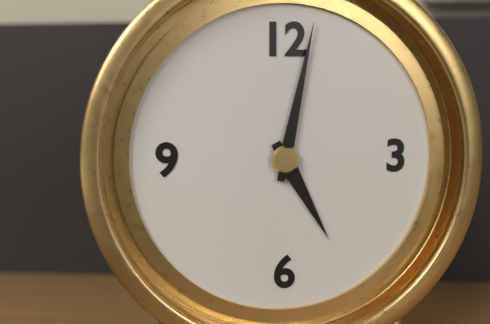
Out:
5.02
